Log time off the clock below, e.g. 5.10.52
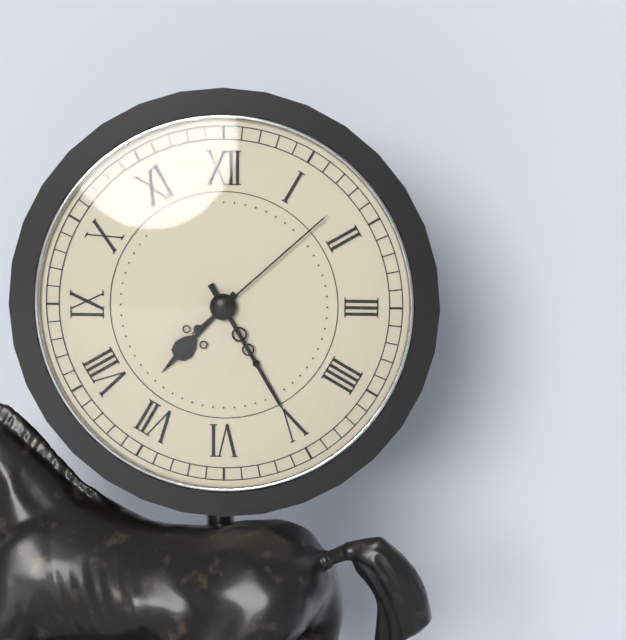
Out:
7.25.08
